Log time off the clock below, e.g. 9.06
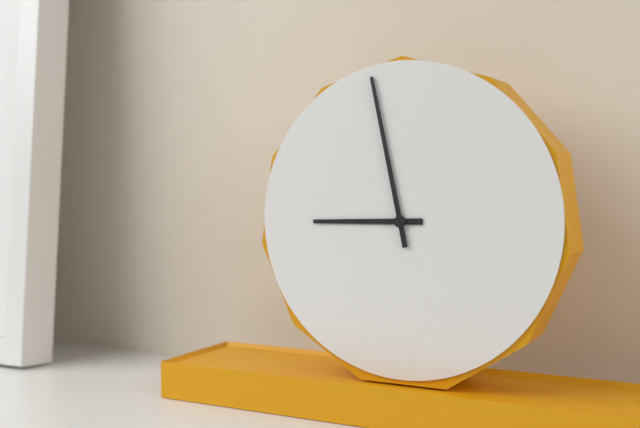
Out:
8.58
